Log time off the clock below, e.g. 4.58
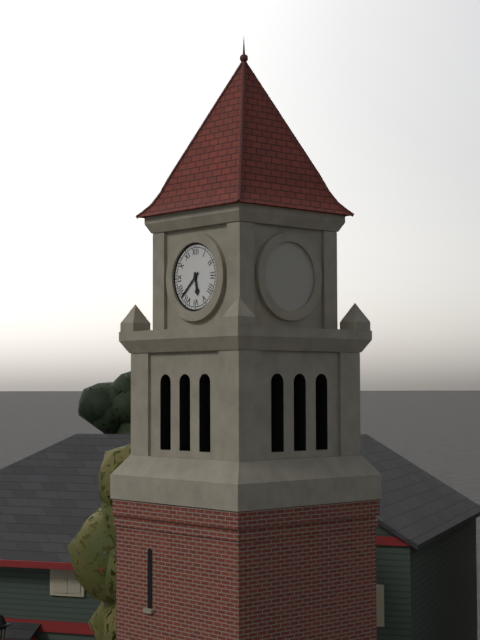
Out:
5.38
